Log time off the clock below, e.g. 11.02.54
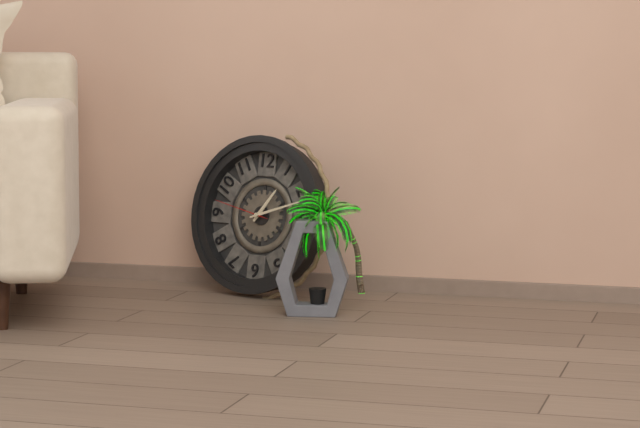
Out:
1.12.47
